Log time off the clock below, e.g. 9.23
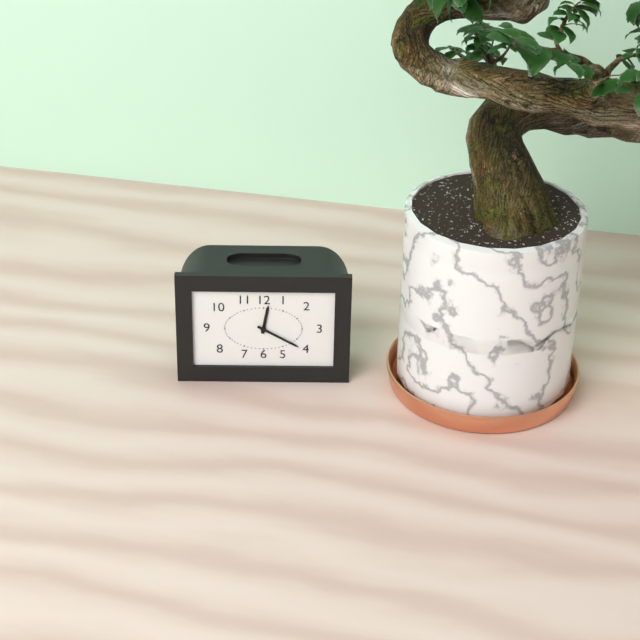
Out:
12.20
